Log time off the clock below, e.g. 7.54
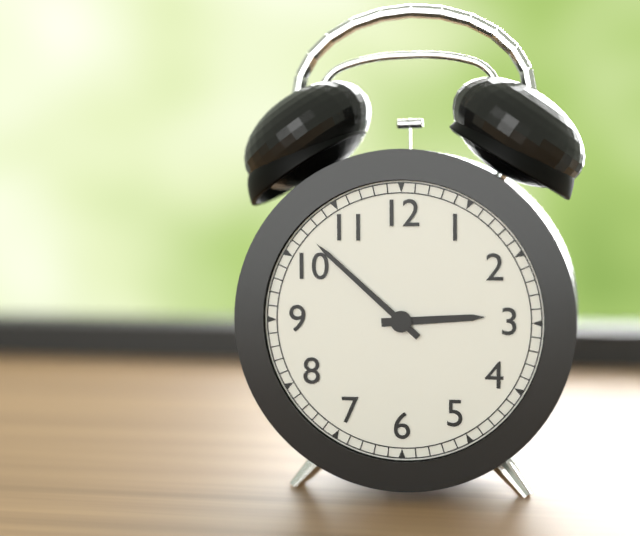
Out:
2.52
